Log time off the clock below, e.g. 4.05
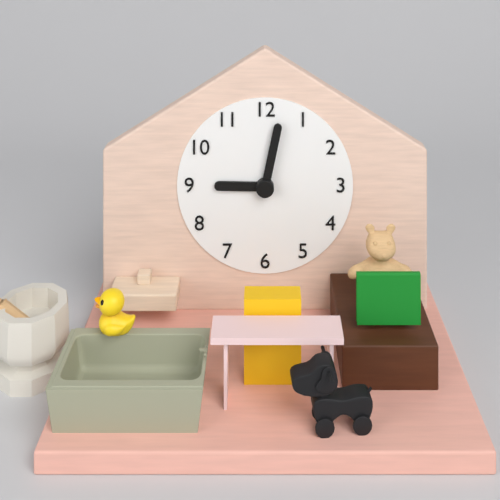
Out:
9.02
